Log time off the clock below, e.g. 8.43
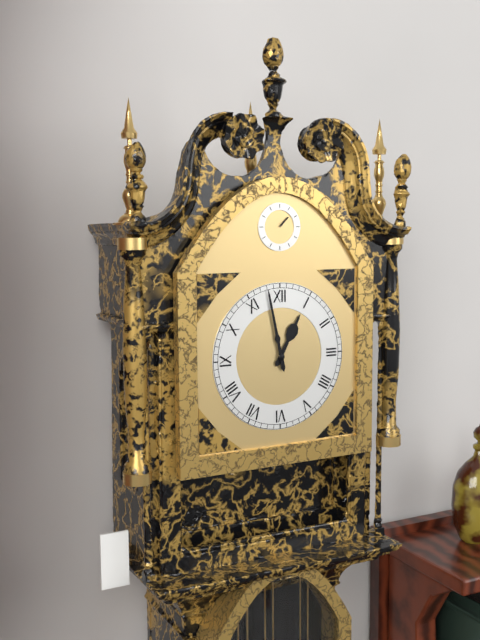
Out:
12.58
